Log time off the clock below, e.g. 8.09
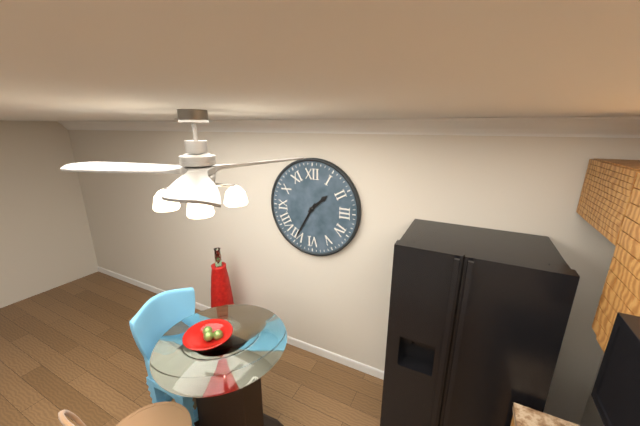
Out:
1.35
